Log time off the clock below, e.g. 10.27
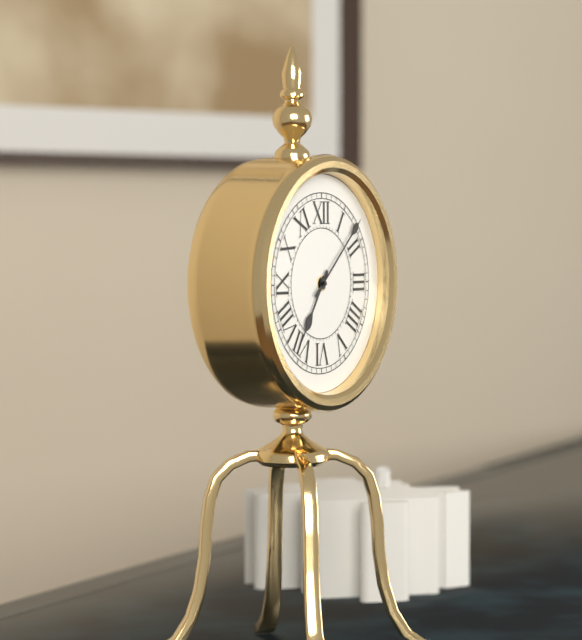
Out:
7.08
